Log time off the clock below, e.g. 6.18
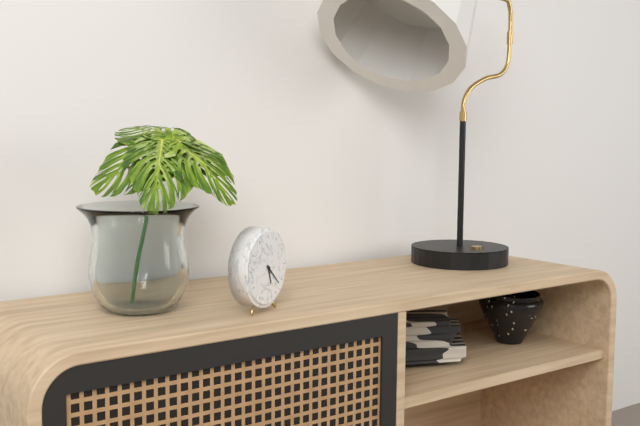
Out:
5.22
